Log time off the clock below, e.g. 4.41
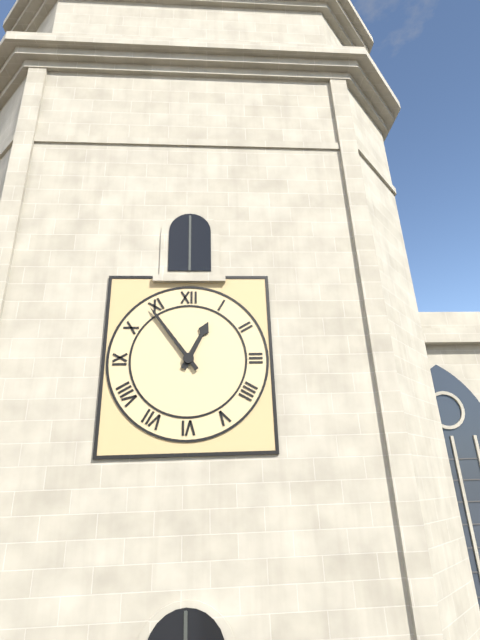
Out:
12.54
